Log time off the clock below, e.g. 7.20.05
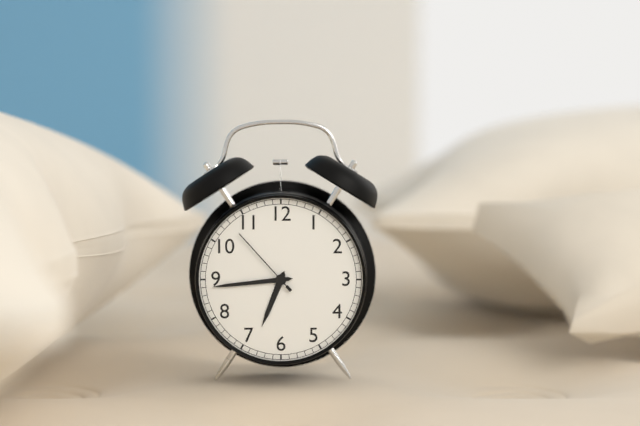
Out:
6.44.53
